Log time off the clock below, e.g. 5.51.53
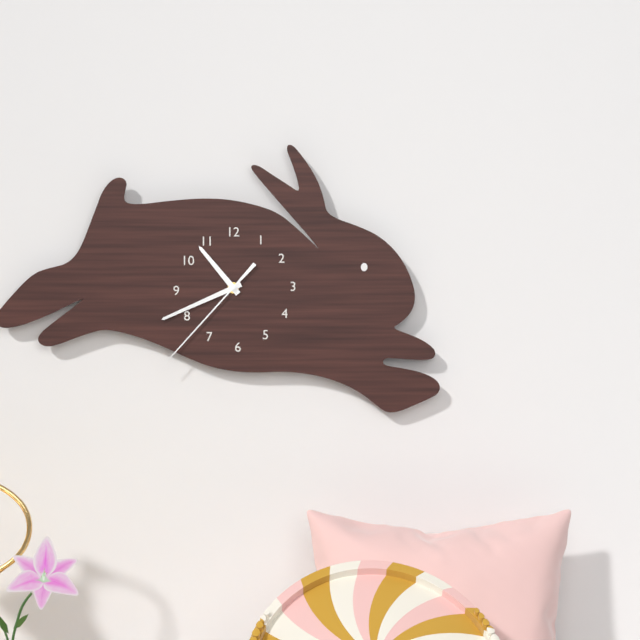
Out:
10.41.37
